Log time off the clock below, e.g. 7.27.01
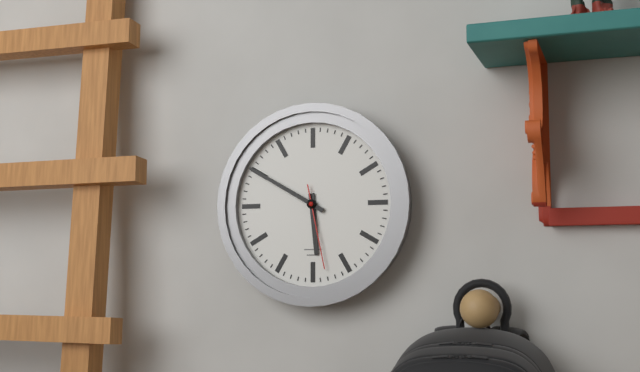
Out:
5.50.28
